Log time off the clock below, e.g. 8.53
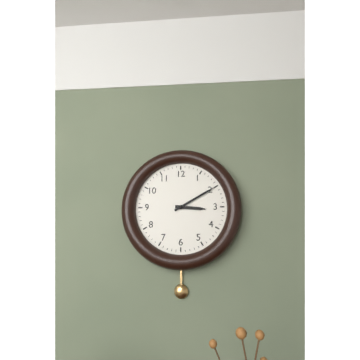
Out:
3.10
